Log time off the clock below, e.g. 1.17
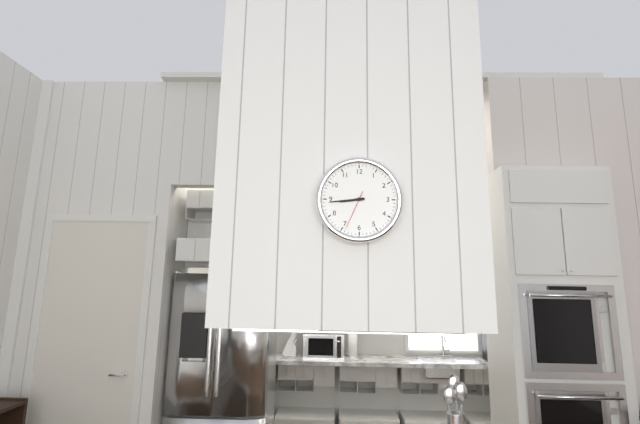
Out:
8.44
